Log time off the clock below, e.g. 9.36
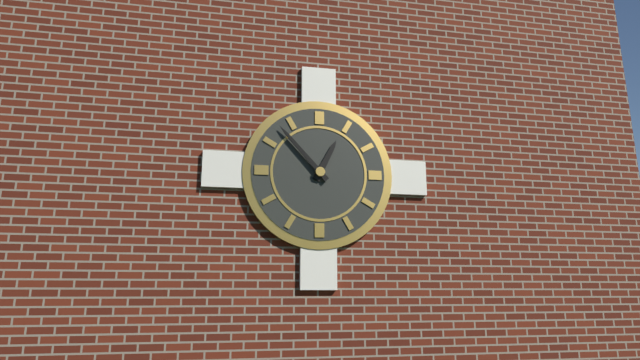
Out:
12.53
